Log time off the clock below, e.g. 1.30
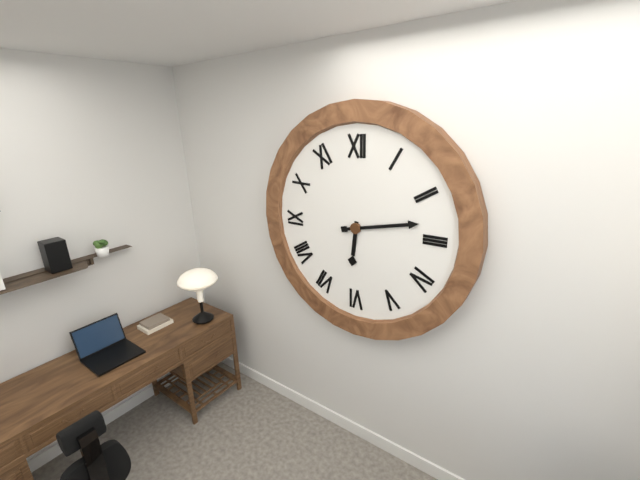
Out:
6.13
